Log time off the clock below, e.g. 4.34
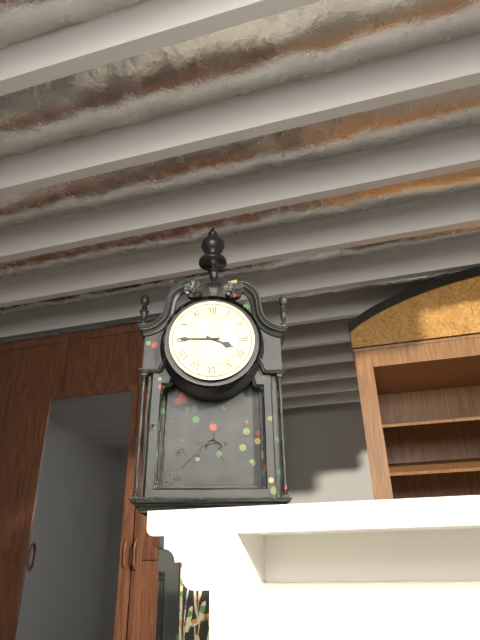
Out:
3.45
